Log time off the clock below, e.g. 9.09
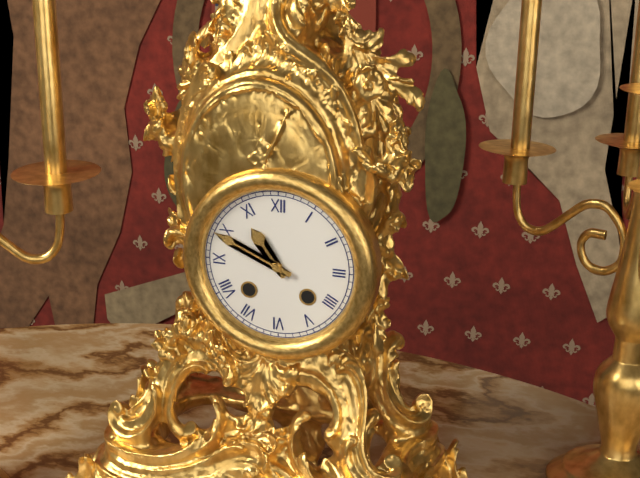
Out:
10.49
